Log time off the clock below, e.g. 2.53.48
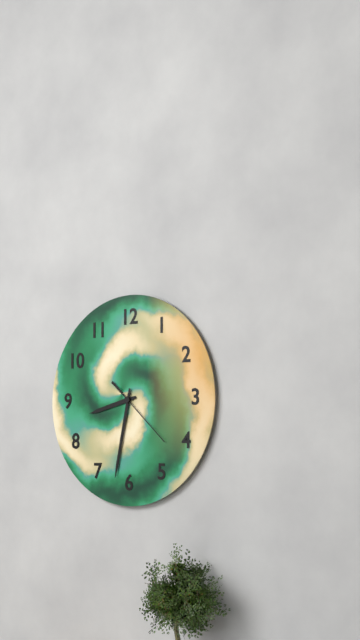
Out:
8.32.22
